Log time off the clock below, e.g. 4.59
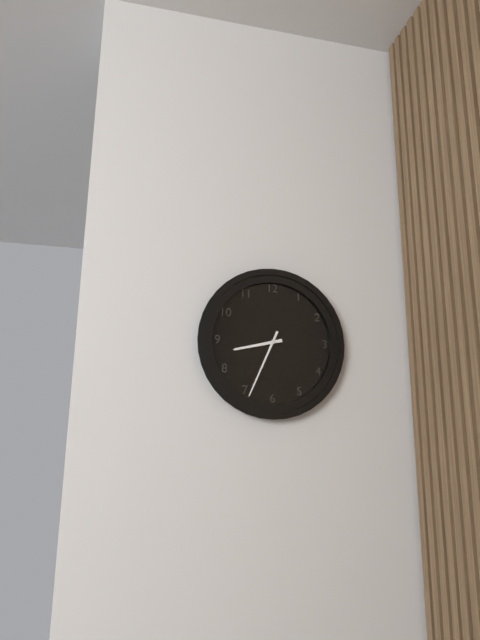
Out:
8.34
